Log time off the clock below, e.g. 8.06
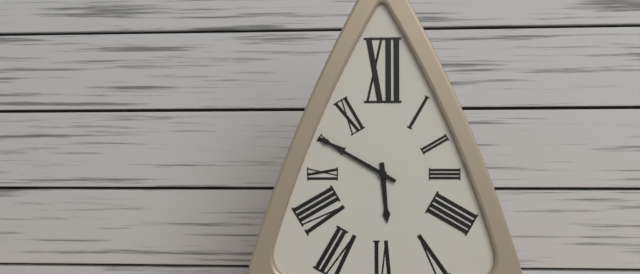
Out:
5.50
